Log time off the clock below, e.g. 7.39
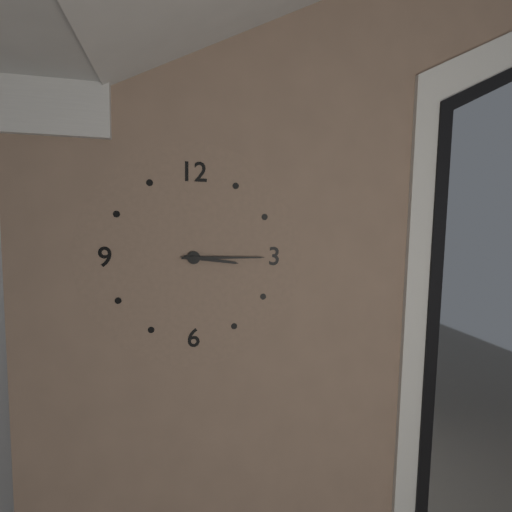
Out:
3.15
